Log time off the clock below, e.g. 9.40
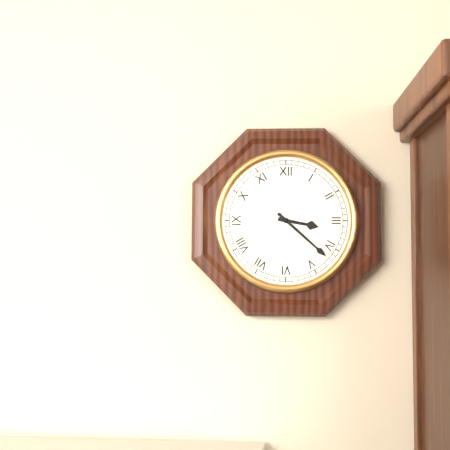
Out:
3.22
